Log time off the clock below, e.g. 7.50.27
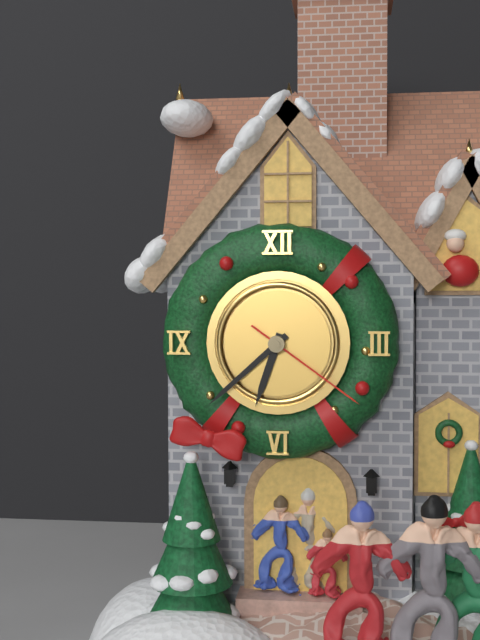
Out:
6.38.21
